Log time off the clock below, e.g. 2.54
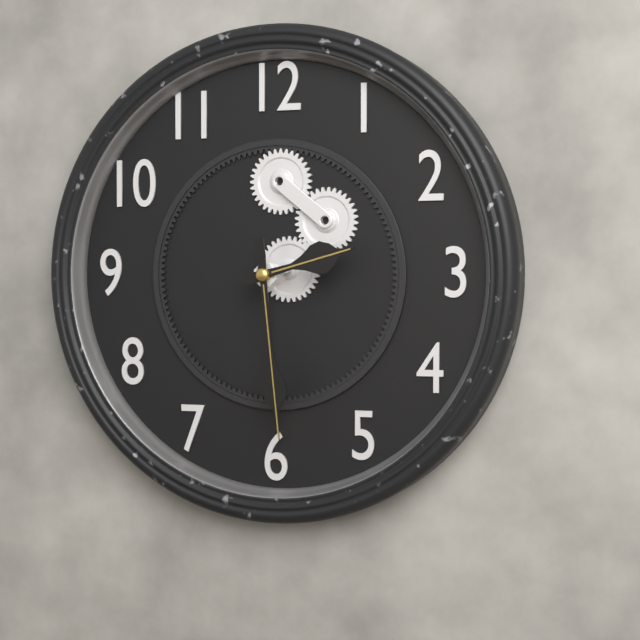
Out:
2.29
